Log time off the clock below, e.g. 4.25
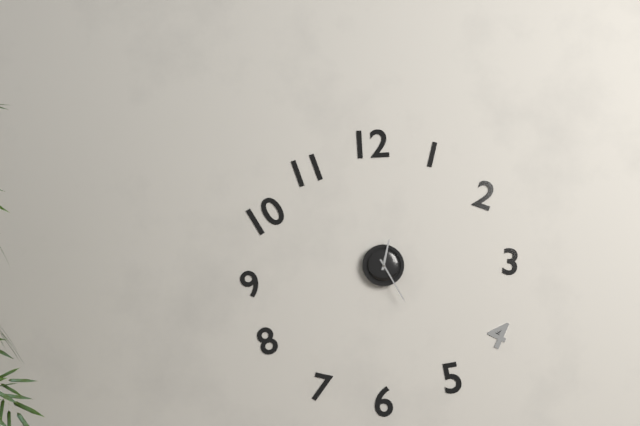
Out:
12.25
